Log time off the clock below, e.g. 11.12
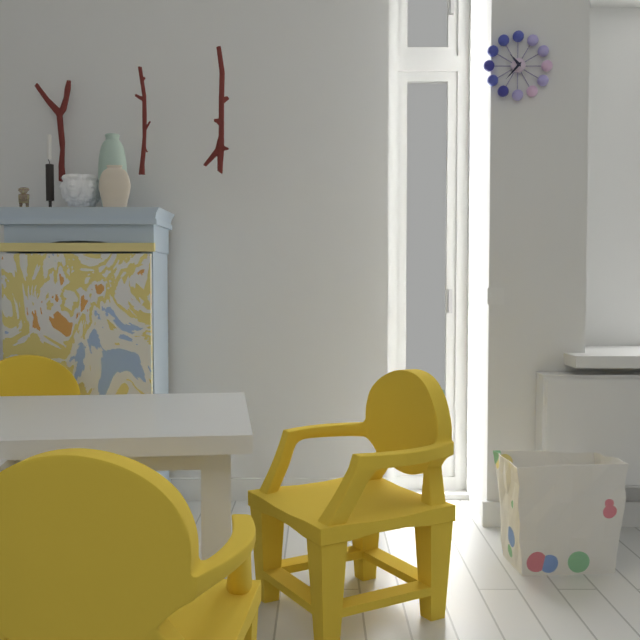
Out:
10.37
